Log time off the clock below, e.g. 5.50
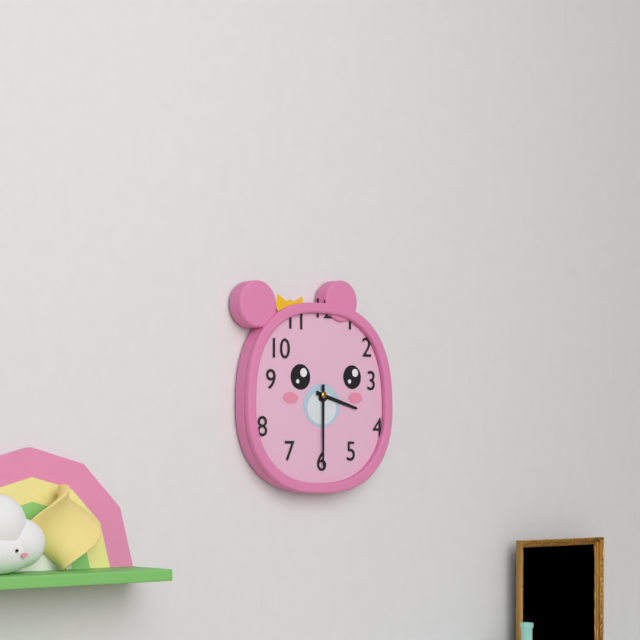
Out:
3.30
